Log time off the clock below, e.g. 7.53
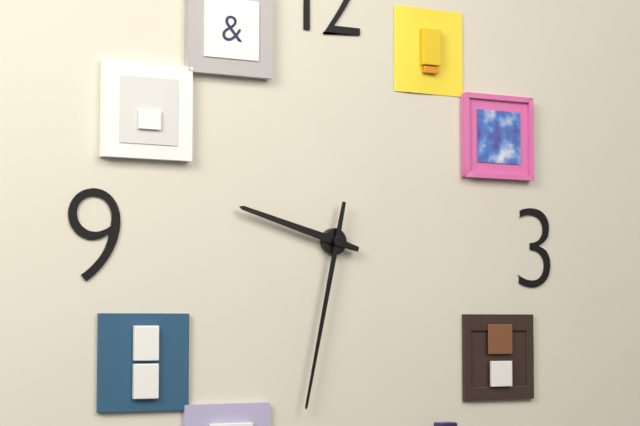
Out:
9.32
